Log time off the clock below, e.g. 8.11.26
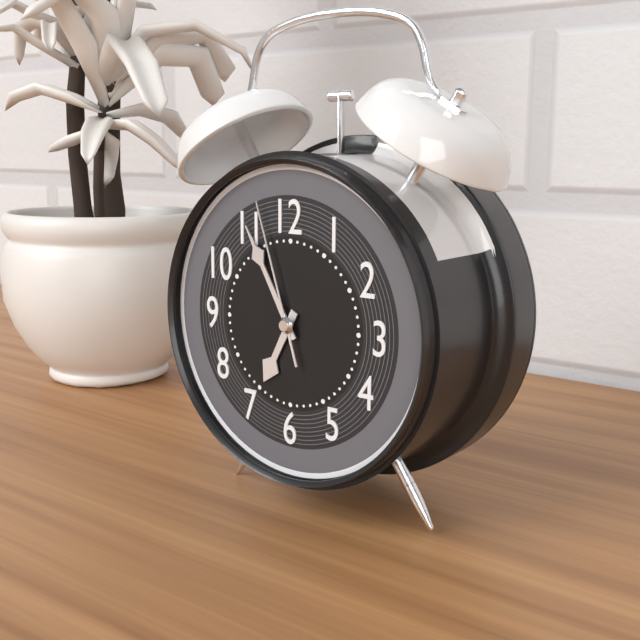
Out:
6.55.57
